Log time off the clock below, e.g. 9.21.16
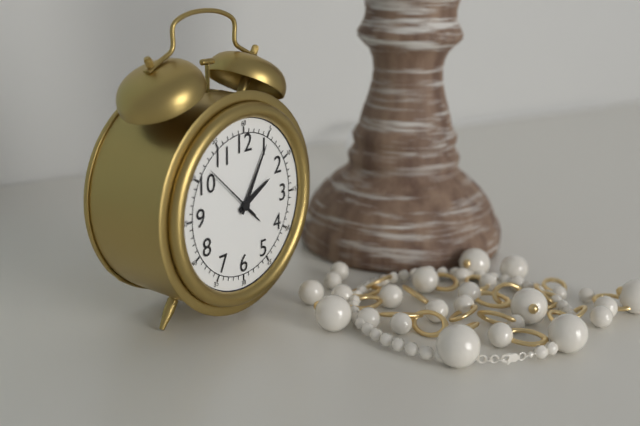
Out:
2.05.52
